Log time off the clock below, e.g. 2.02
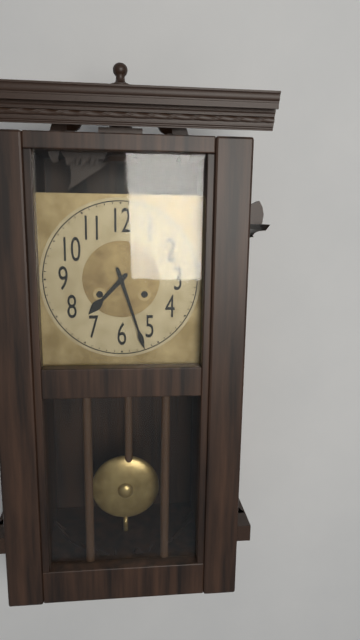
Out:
7.27
